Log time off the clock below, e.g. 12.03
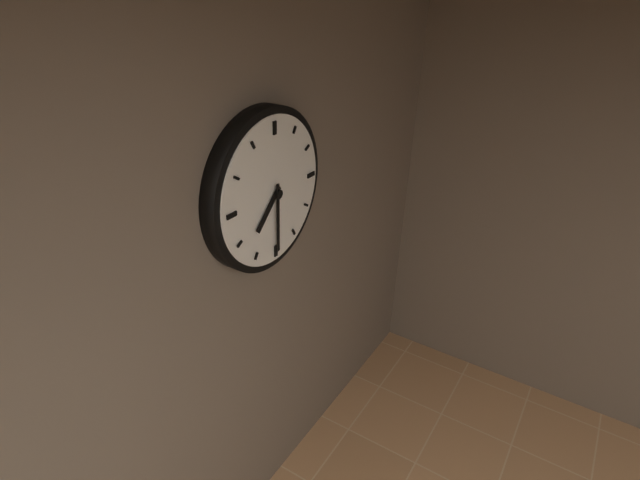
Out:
7.30
